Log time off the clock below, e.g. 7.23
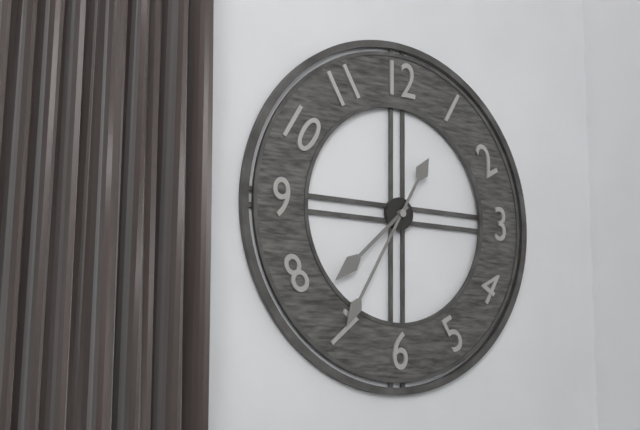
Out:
7.35
